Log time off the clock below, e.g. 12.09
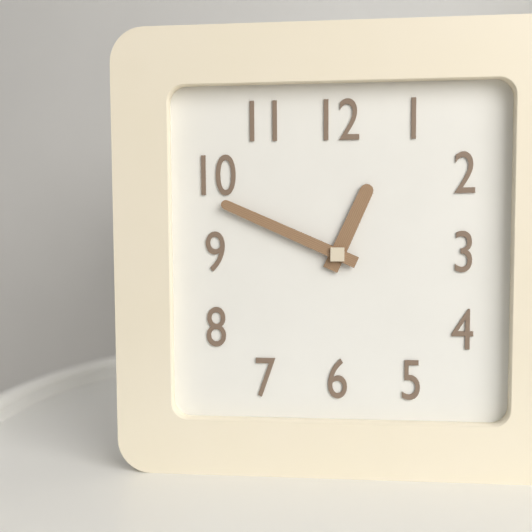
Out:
12.49
